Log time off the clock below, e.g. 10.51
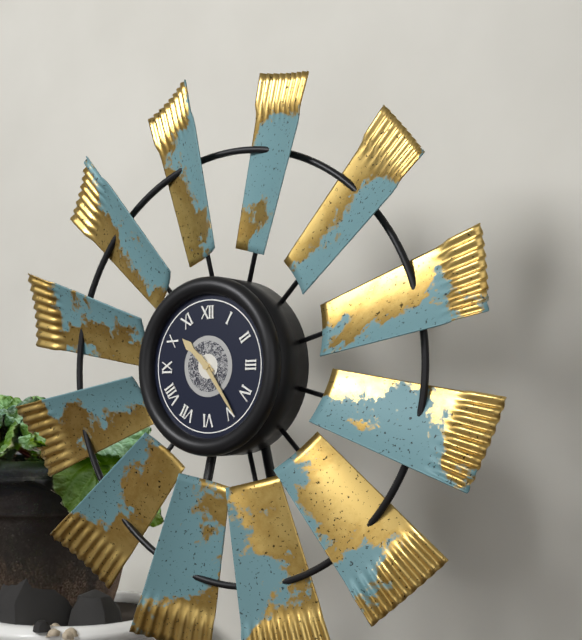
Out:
10.24
